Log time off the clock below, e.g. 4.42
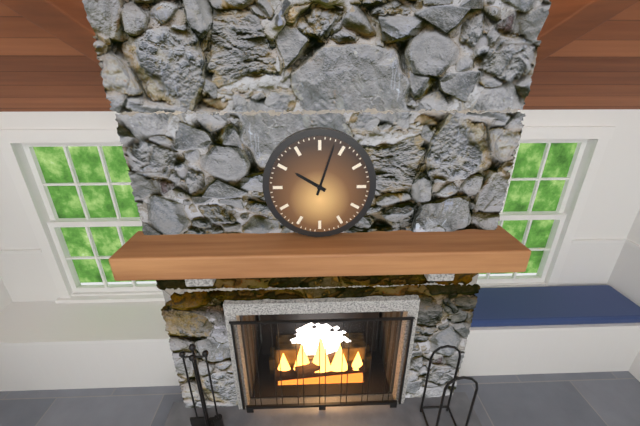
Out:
10.03
